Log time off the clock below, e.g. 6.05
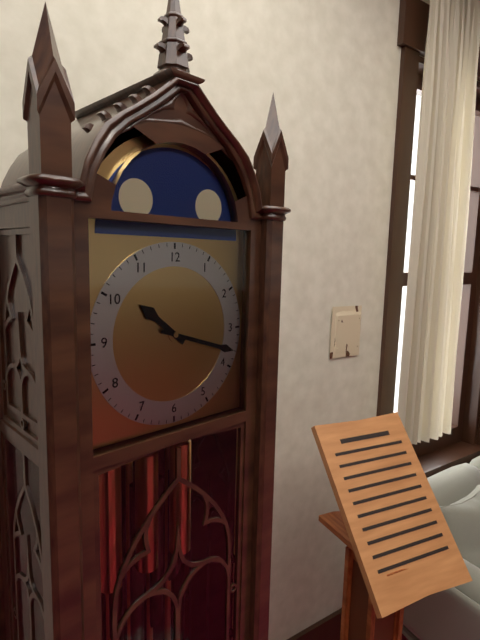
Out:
10.18
